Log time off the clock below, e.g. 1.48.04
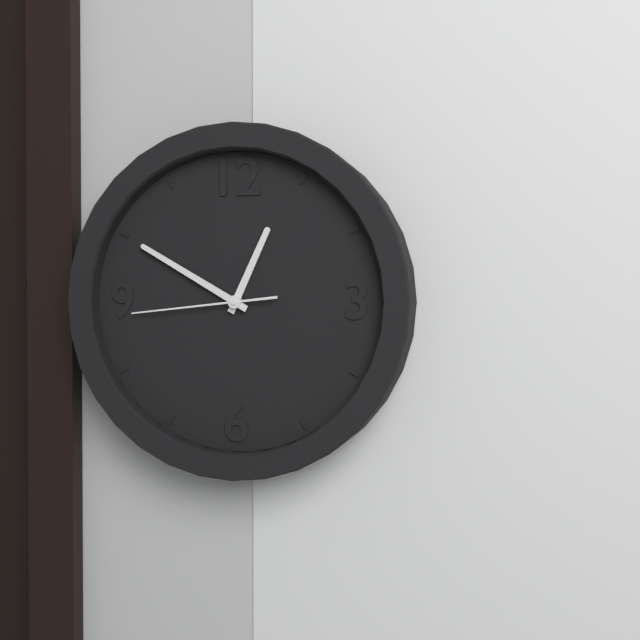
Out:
12.50.44
